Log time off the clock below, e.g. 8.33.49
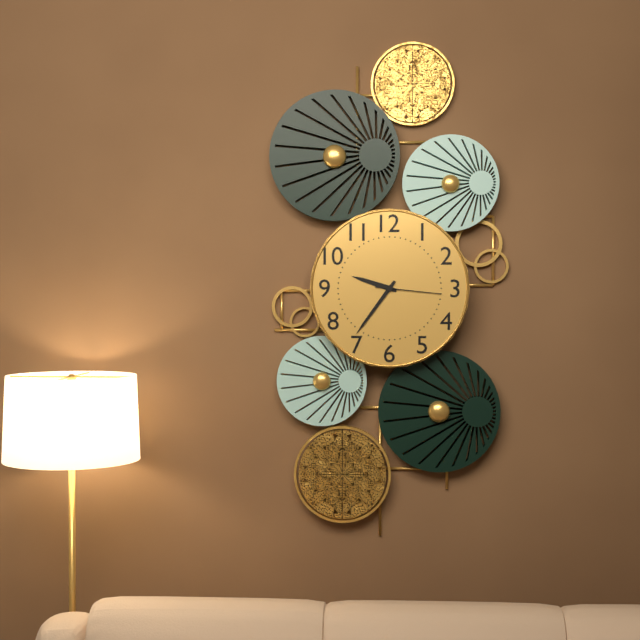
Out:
9.36.16
